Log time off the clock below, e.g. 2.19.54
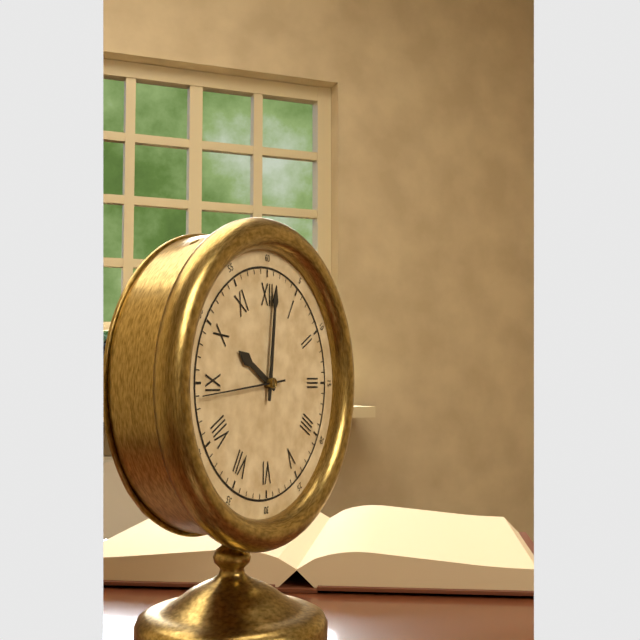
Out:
10.01.44
